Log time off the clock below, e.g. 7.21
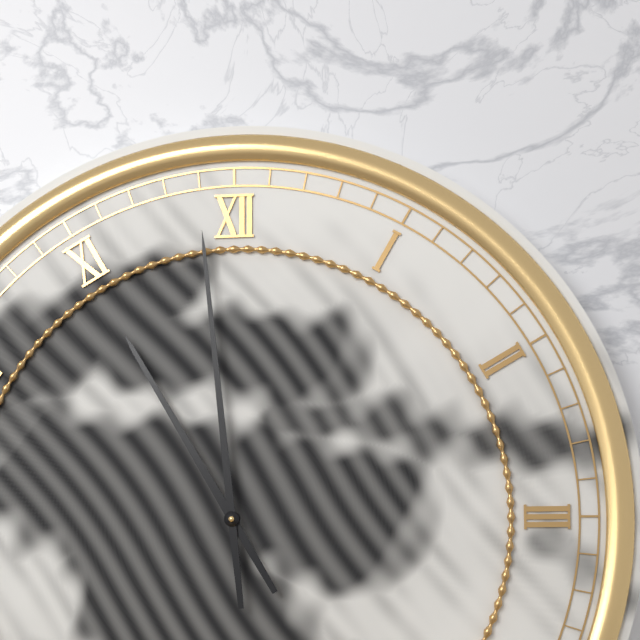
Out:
10.59
